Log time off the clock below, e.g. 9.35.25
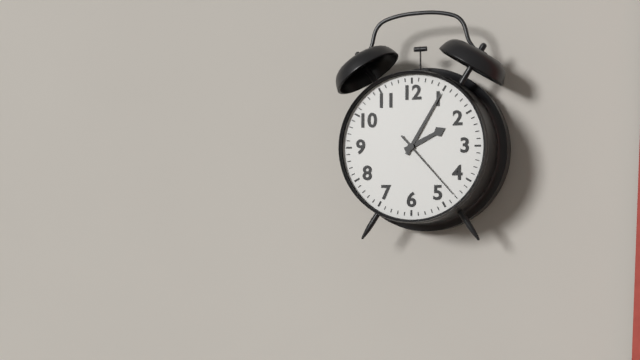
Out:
2.05.23
